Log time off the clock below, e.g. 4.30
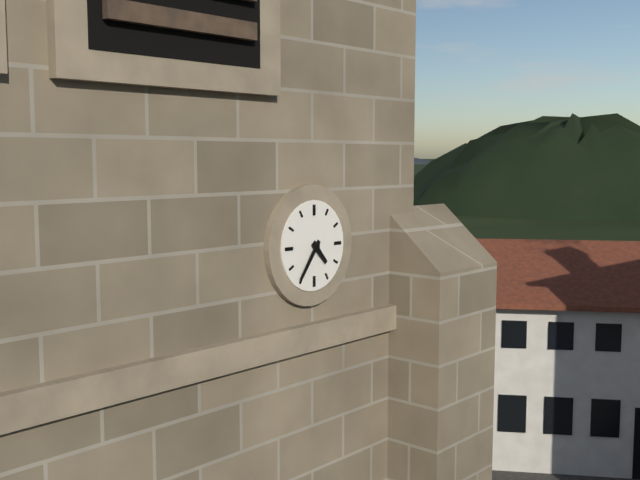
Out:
4.36
